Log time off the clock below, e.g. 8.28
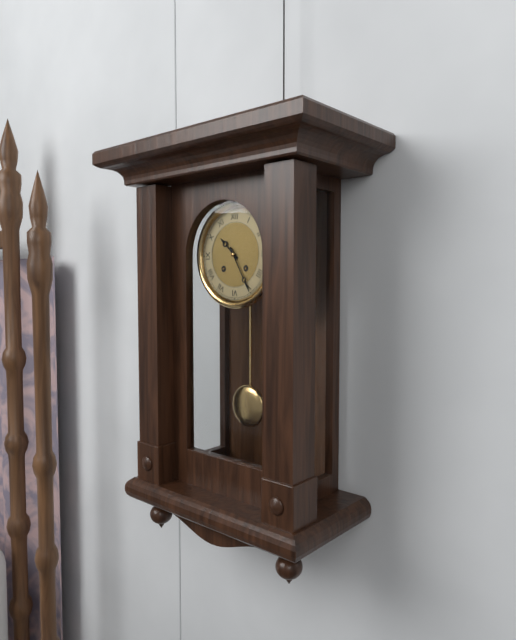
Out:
10.25
